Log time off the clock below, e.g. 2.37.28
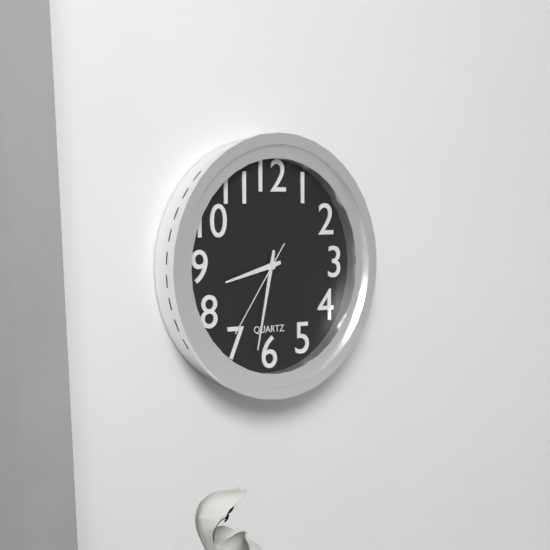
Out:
8.32.36
